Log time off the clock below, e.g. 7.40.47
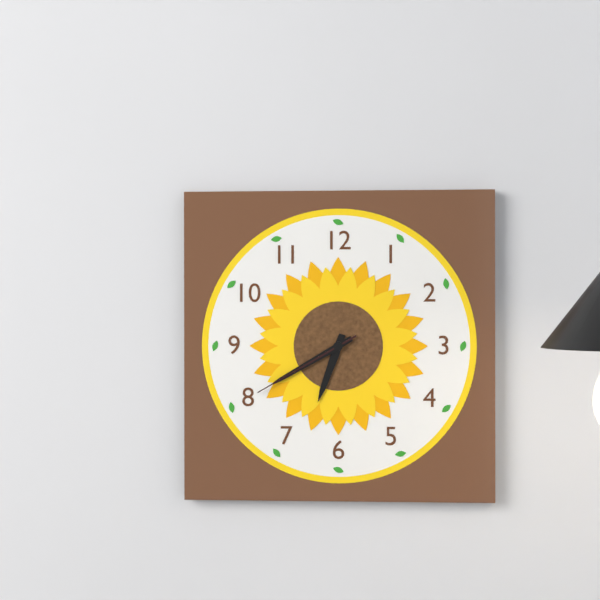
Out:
6.40.40
